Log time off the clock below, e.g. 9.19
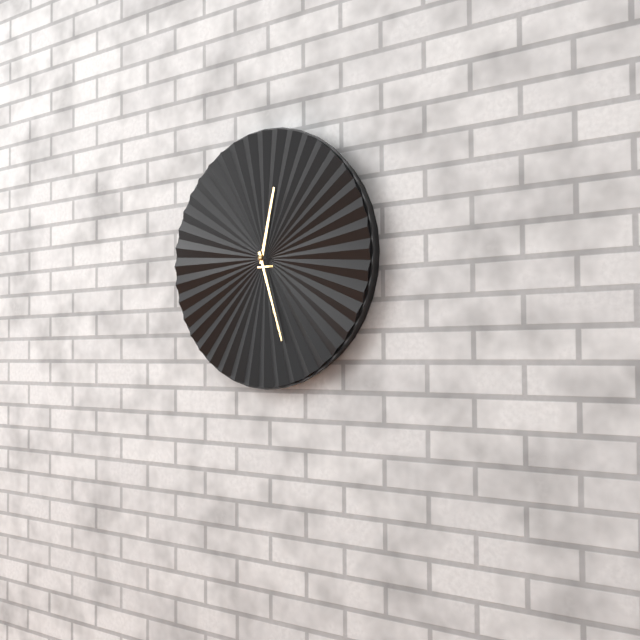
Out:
12.27
